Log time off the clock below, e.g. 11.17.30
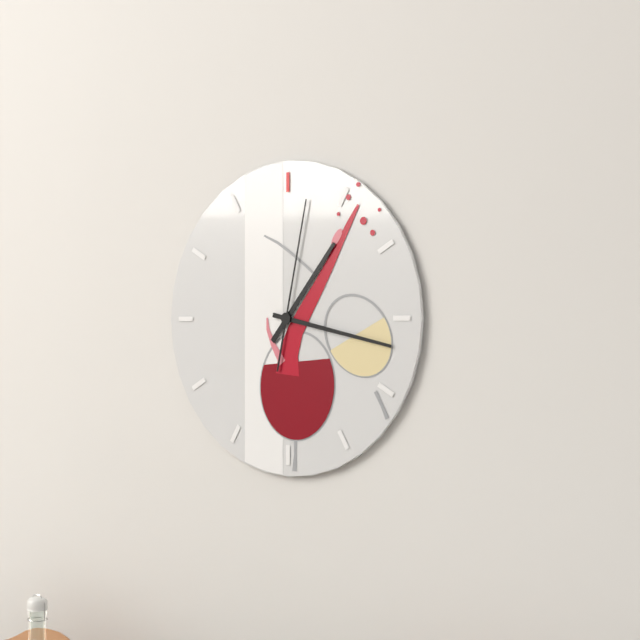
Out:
1.17.02
